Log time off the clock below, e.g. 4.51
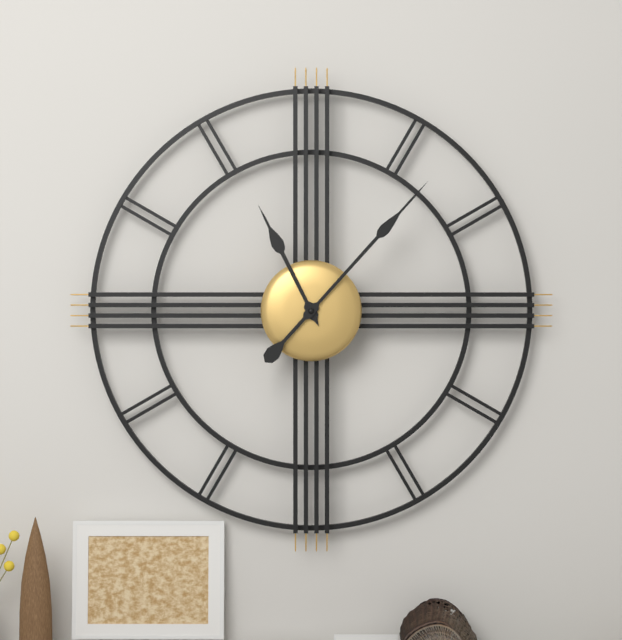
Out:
11.07
